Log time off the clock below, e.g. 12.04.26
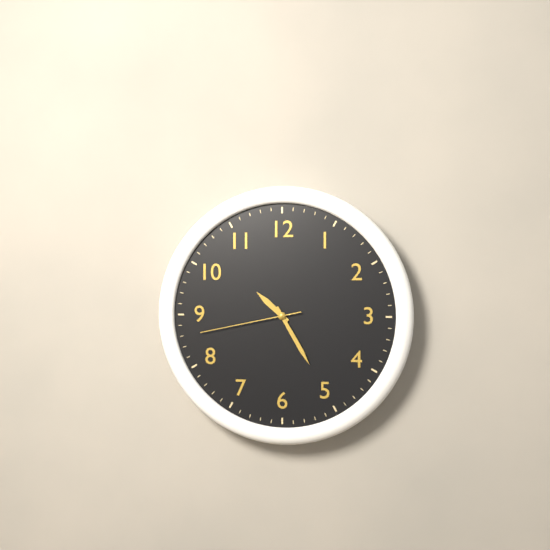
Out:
10.25.43
